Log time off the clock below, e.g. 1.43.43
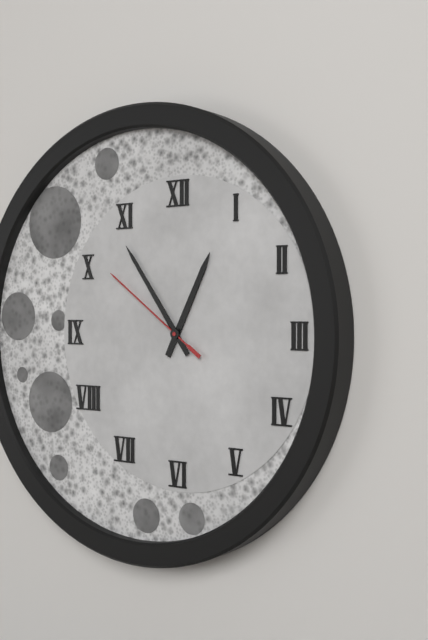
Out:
12.54.51
